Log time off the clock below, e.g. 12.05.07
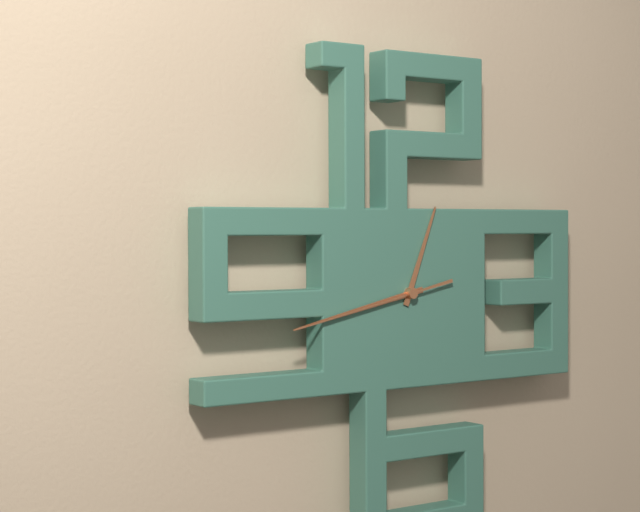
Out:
12.43.43
